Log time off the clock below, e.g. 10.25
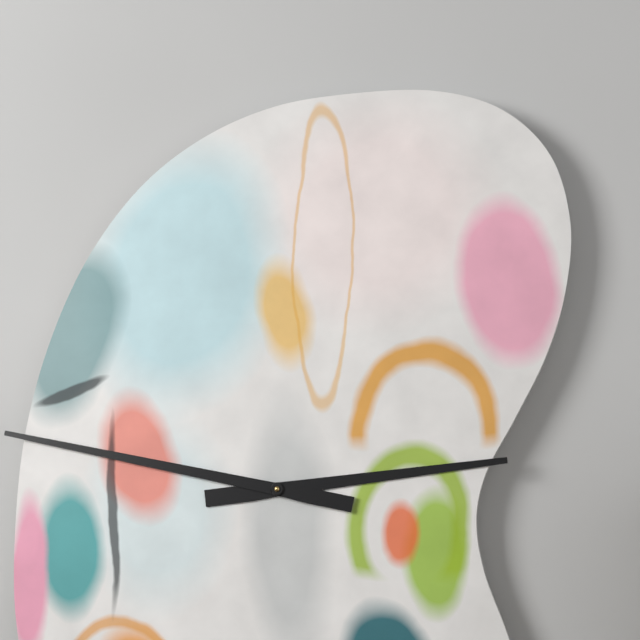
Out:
2.47
